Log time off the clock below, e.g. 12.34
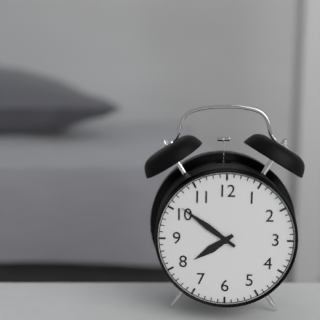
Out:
7.51
